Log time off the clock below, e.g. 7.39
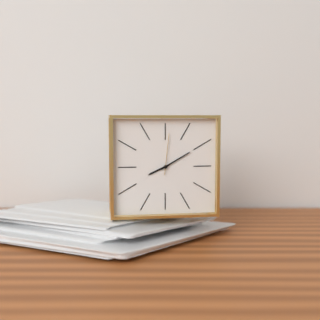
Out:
8.10
